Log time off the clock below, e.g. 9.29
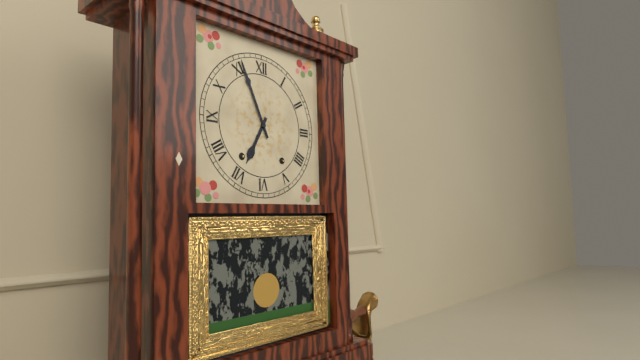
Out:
6.56
